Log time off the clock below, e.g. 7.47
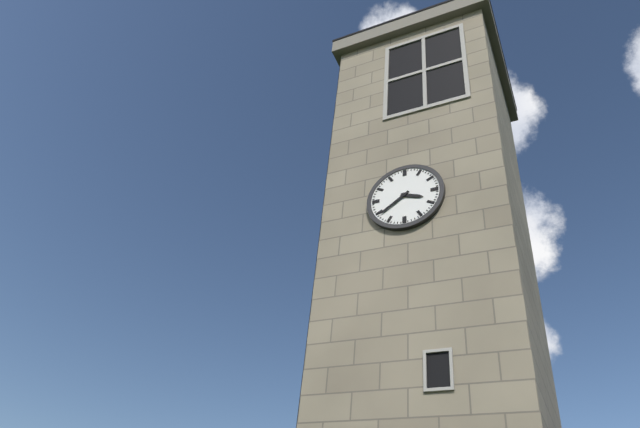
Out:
3.39
